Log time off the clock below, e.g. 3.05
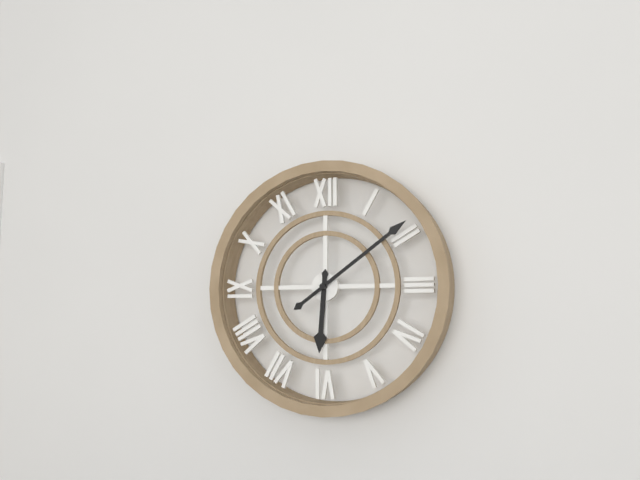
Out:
6.09
